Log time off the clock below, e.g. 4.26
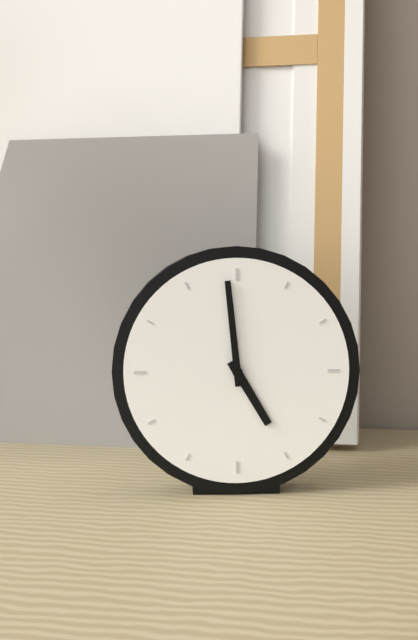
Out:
4.59
